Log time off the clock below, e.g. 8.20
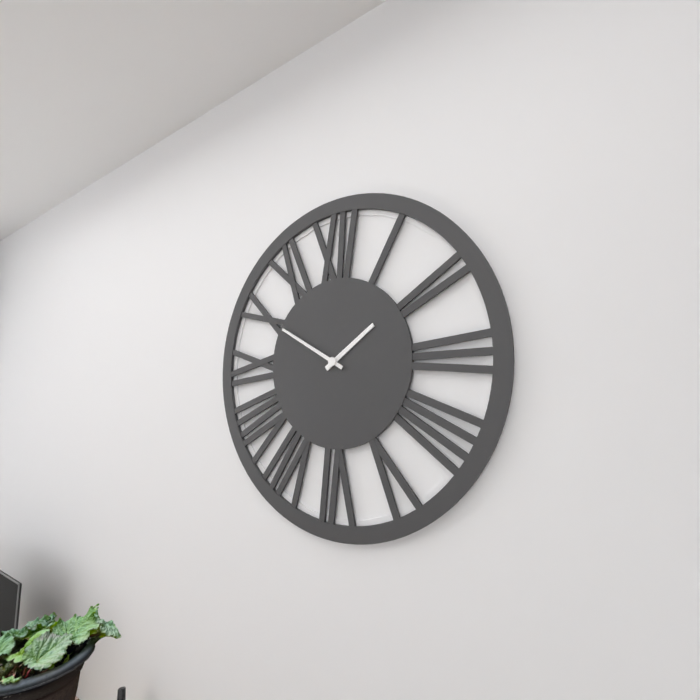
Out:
1.50
